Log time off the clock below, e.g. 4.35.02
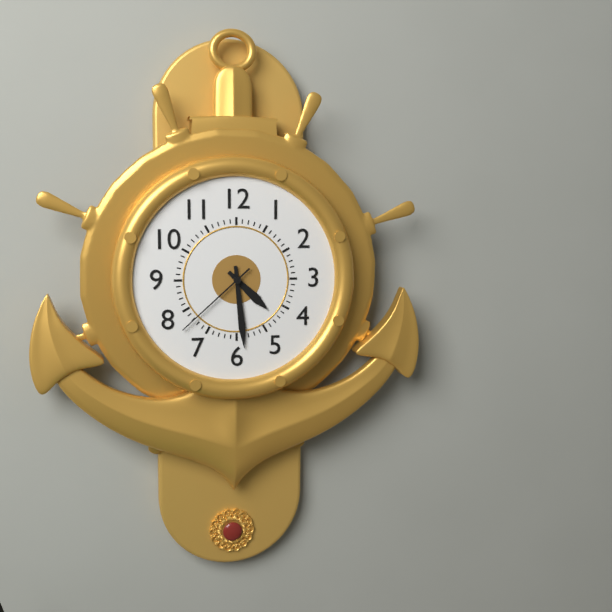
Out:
4.29.38
